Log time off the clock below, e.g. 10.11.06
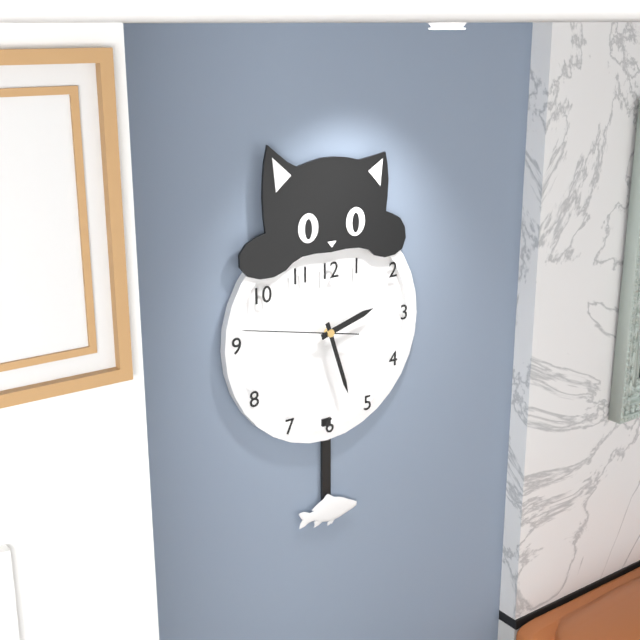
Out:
2.27.47
